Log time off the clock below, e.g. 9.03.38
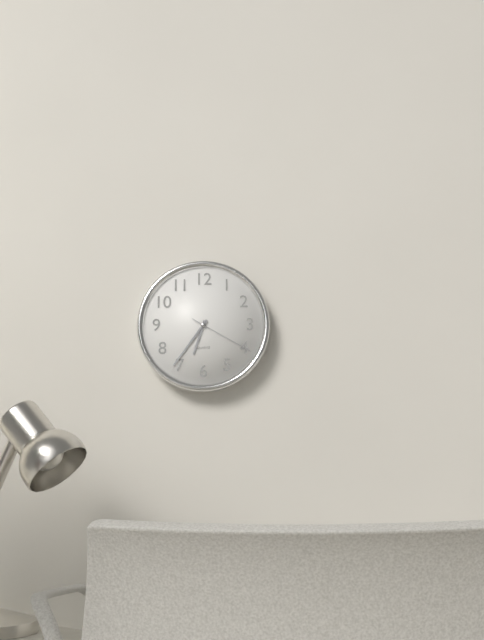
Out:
6.36.20
